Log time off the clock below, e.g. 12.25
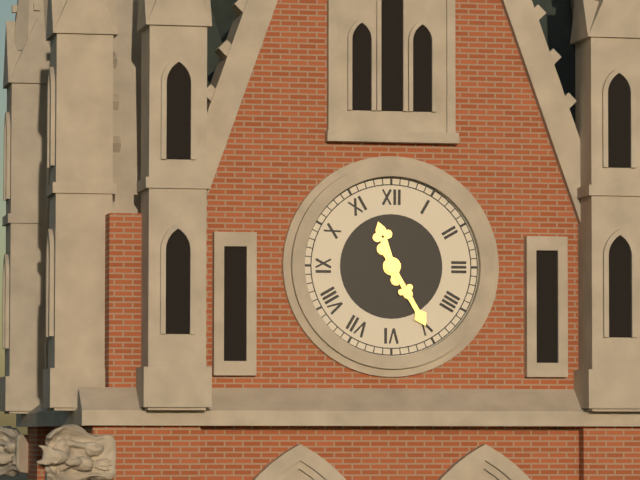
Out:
11.25
